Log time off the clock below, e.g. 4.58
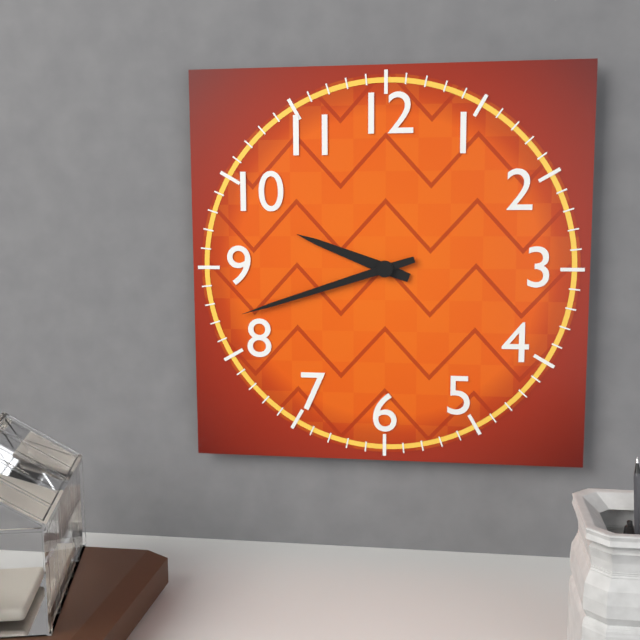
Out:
9.42
